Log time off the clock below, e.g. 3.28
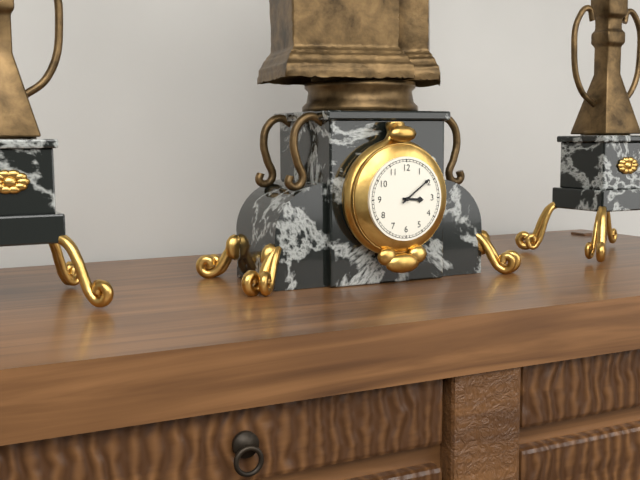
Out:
3.09
